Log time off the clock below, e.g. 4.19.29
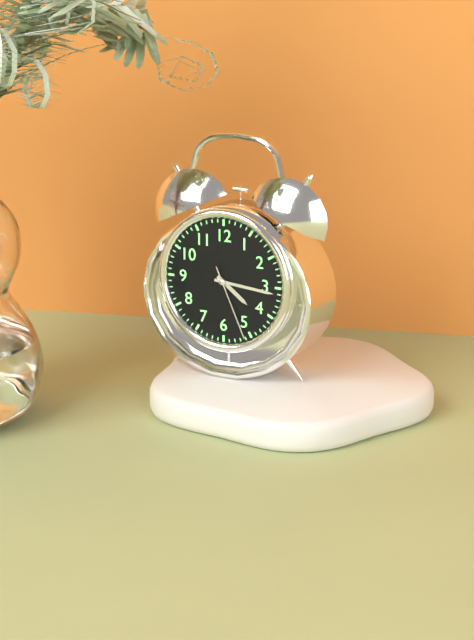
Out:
4.16.26
